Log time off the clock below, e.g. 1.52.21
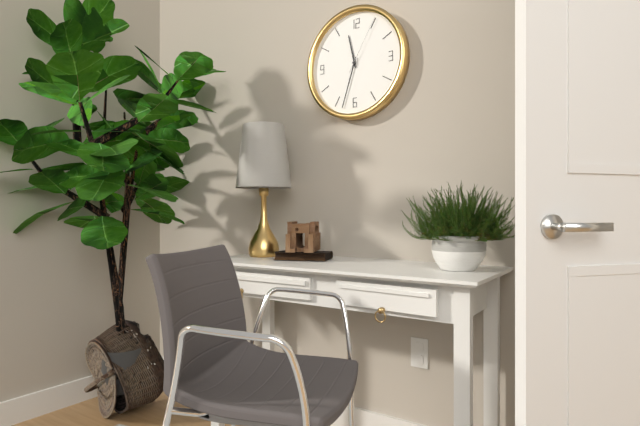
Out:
11.33.05
